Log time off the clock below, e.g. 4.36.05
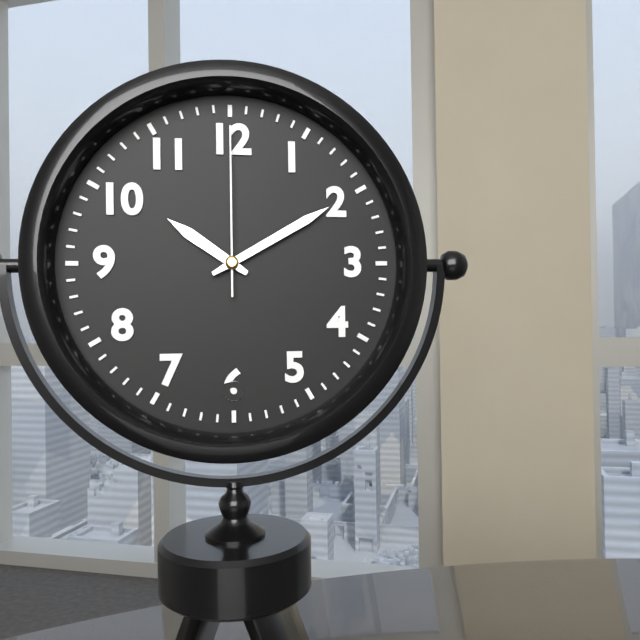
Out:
10.10.00
